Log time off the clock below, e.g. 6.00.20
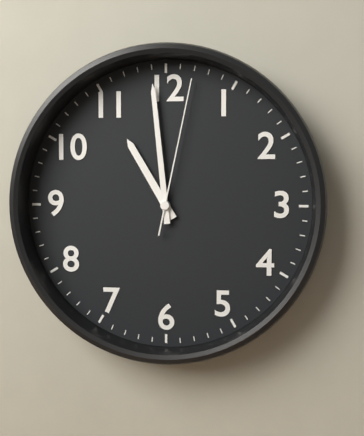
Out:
10.59.02
